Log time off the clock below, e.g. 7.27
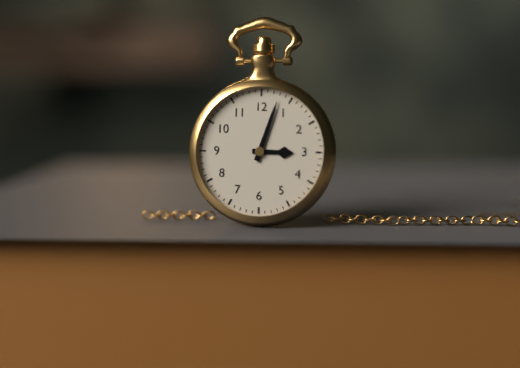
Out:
3.03
